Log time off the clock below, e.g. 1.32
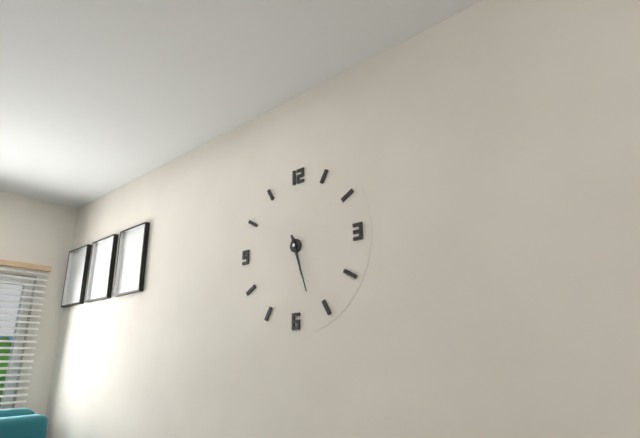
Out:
5.27
